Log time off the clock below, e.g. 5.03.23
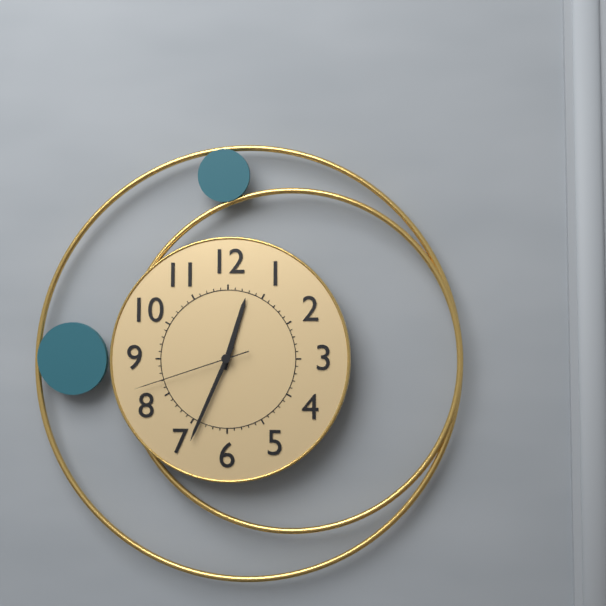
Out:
12.34.42
